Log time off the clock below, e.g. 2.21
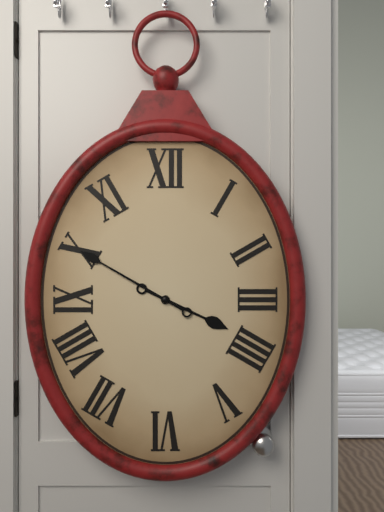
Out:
3.50
